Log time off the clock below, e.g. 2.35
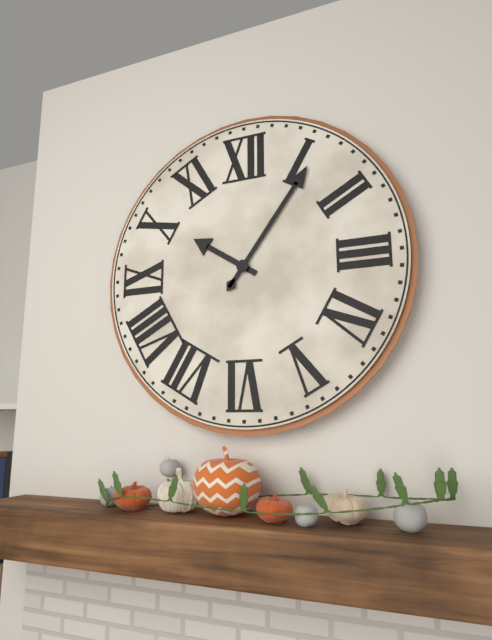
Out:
10.06
